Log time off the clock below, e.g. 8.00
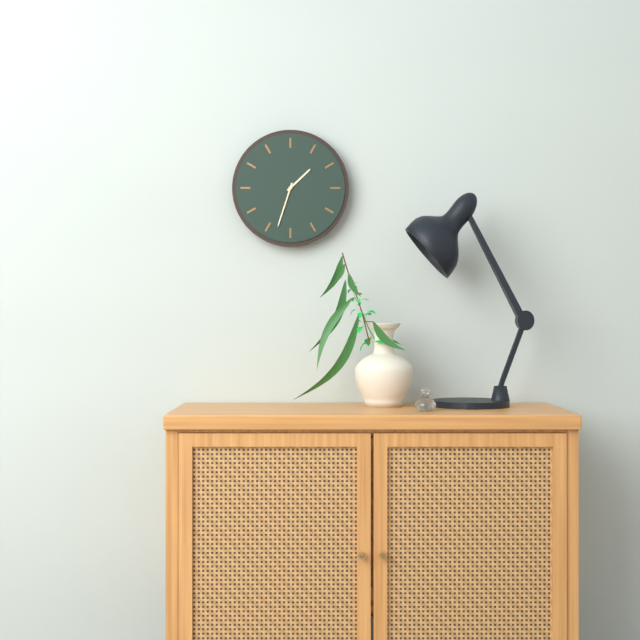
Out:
1.33
